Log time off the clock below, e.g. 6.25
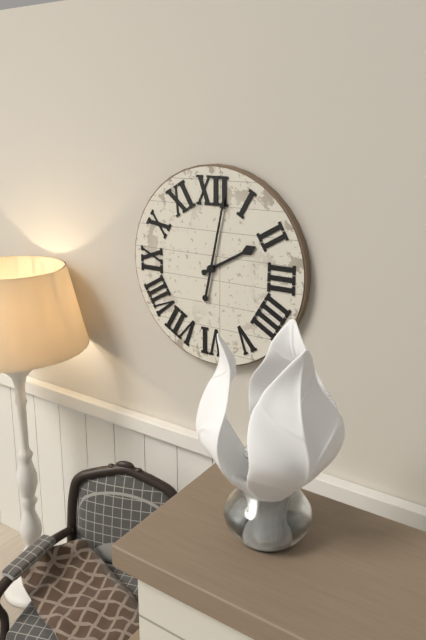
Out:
2.02
